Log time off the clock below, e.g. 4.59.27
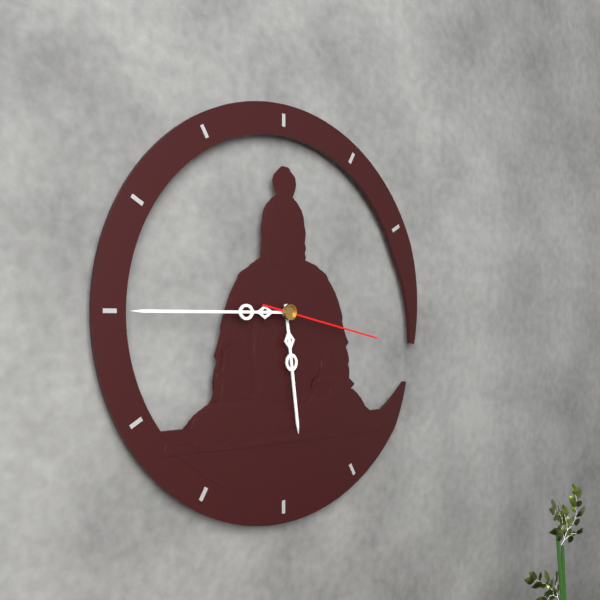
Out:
5.45.17
